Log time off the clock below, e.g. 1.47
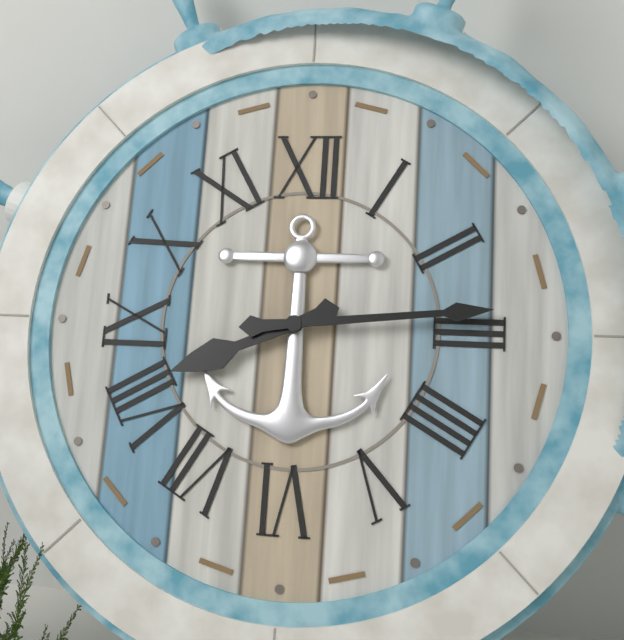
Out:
8.14
